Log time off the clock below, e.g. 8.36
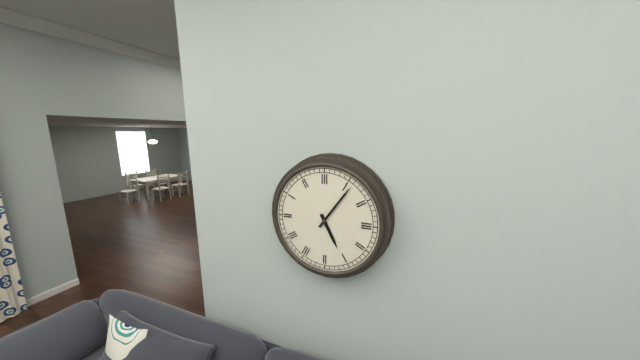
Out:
5.06
